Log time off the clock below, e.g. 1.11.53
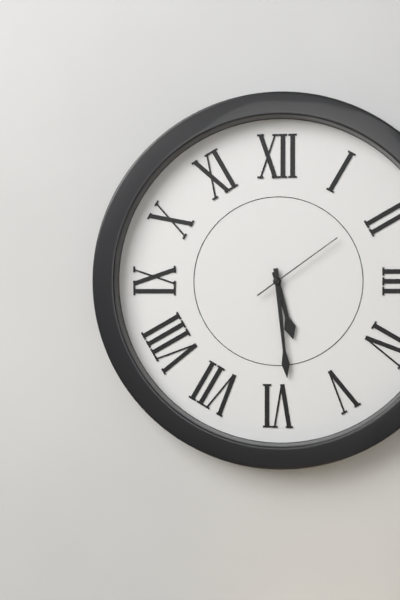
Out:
5.29.09
